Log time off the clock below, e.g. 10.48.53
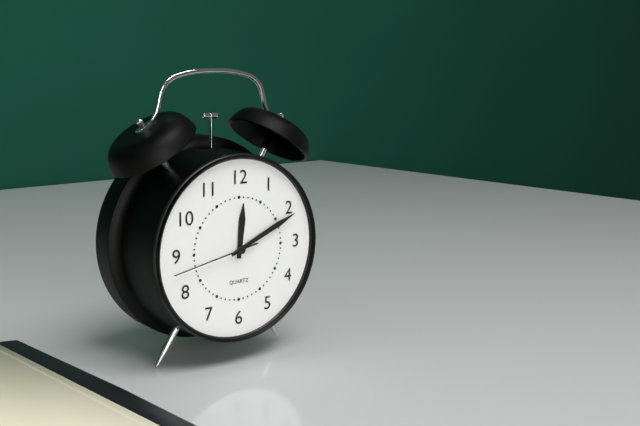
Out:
12.11.43
